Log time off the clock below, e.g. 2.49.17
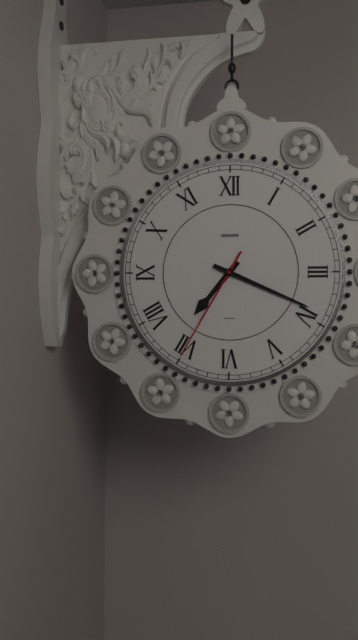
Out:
7.19.35
